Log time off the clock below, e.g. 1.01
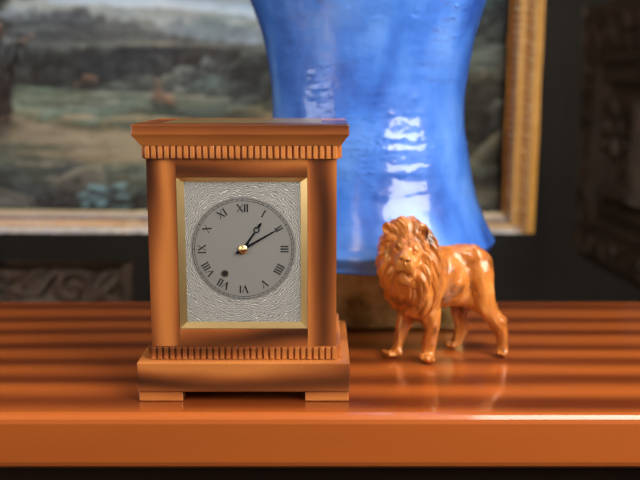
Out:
1.10
